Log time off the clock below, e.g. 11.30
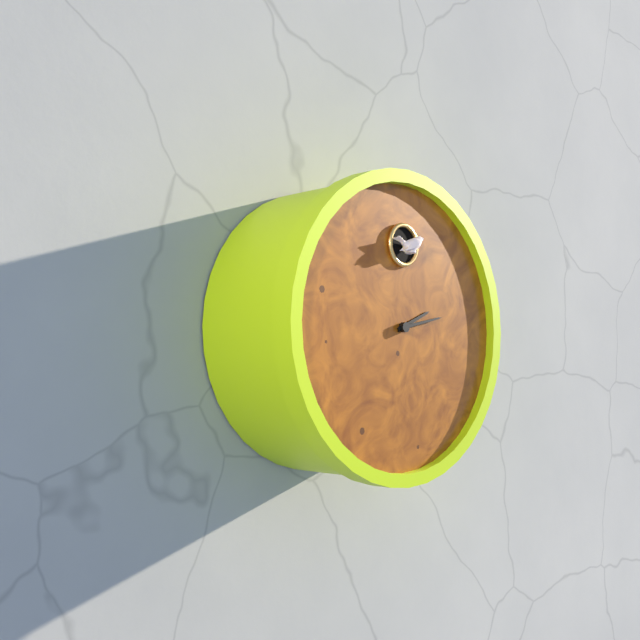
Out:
2.13
